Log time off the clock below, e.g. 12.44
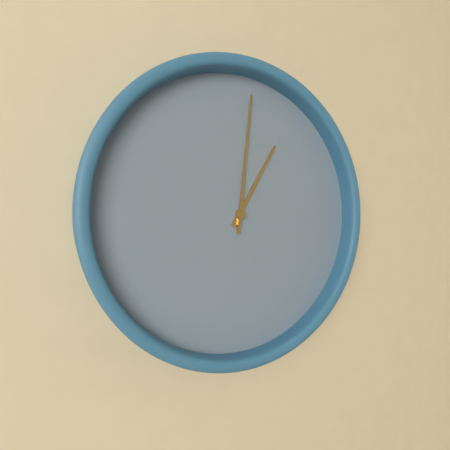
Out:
1.01
